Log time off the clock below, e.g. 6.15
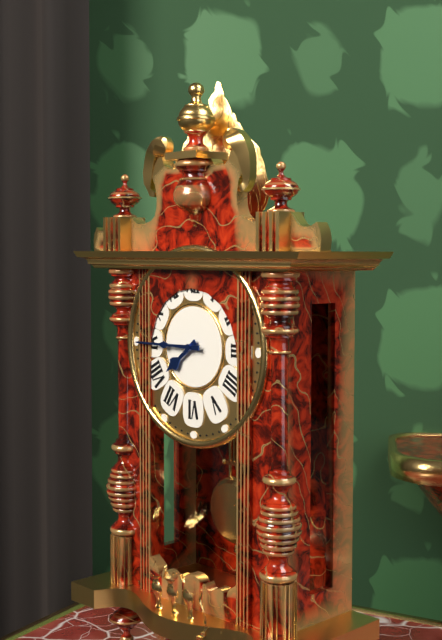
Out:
7.45
